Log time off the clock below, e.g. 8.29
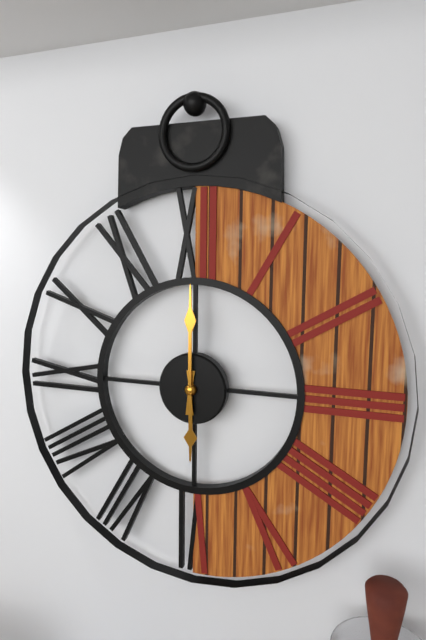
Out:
6.00
